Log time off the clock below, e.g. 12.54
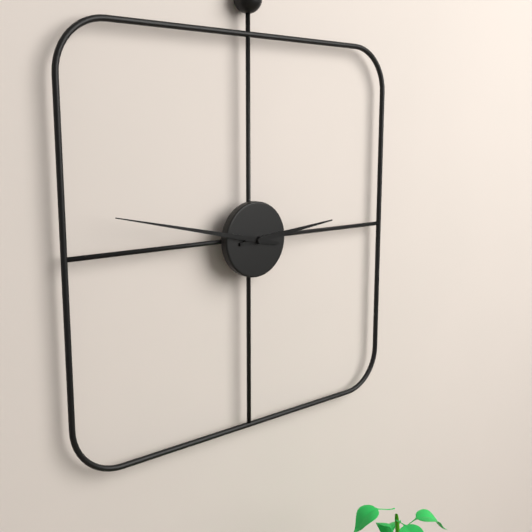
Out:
2.47
